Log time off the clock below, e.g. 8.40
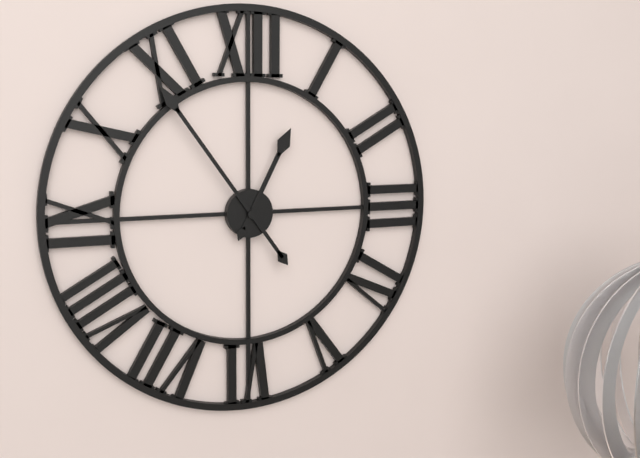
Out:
12.54
